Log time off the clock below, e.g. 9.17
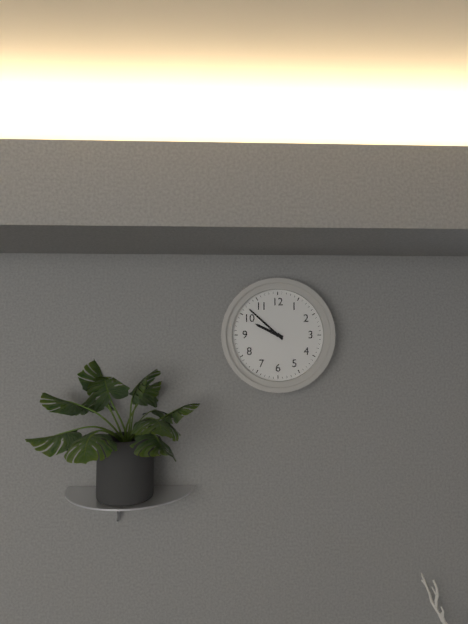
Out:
9.52
